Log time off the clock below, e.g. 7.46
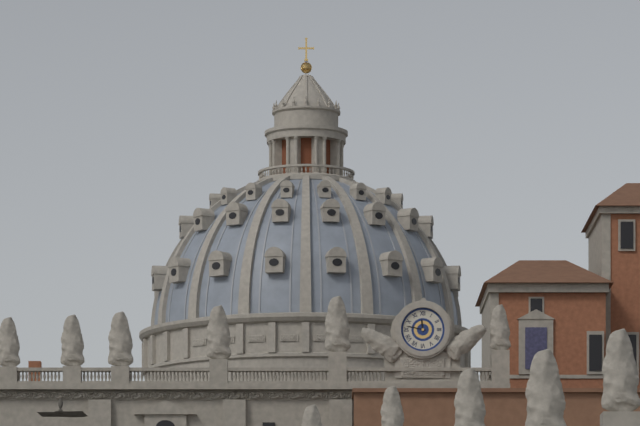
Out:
11.47
